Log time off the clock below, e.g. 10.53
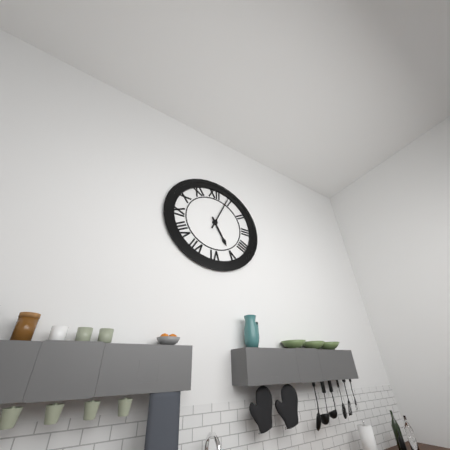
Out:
5.04
